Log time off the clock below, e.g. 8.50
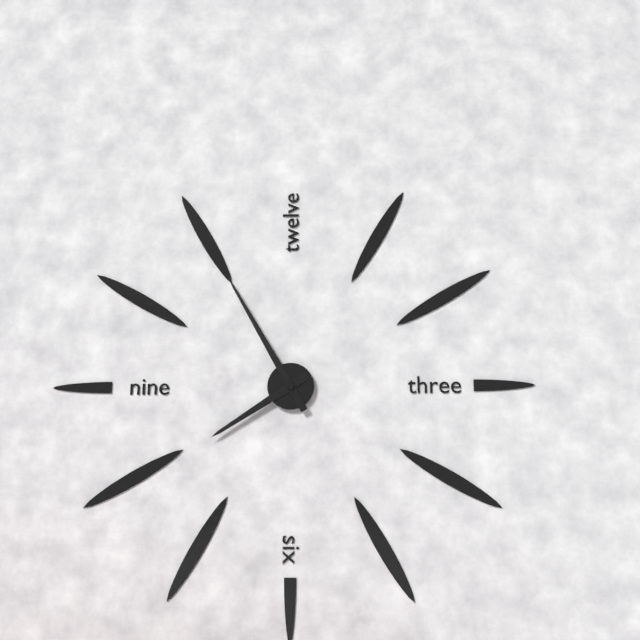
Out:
7.55
